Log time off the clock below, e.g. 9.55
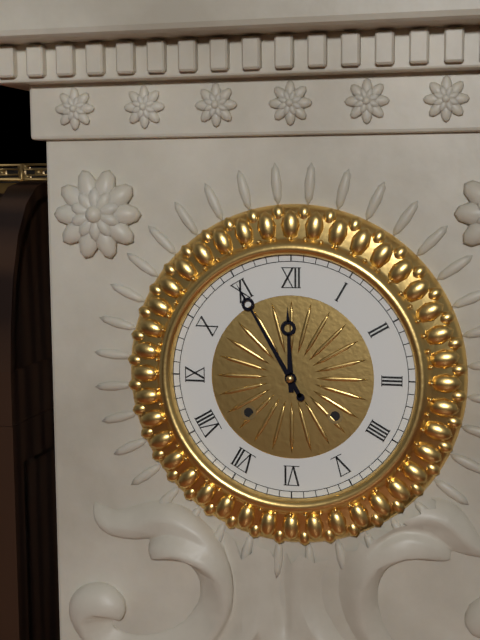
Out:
11.55
